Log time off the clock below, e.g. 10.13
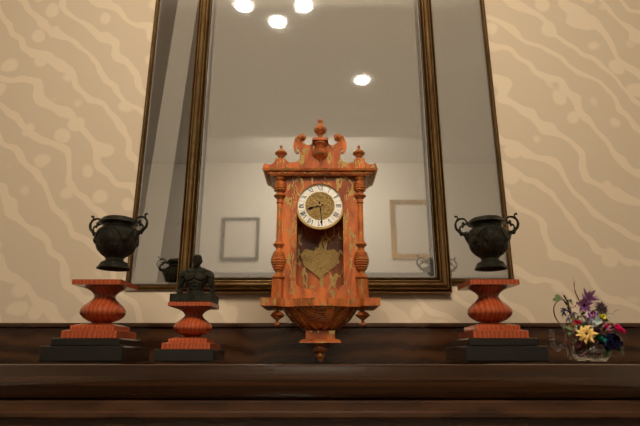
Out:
8.29
